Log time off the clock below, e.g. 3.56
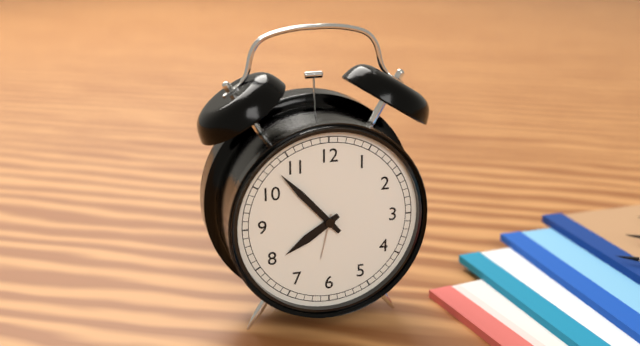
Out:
7.53
